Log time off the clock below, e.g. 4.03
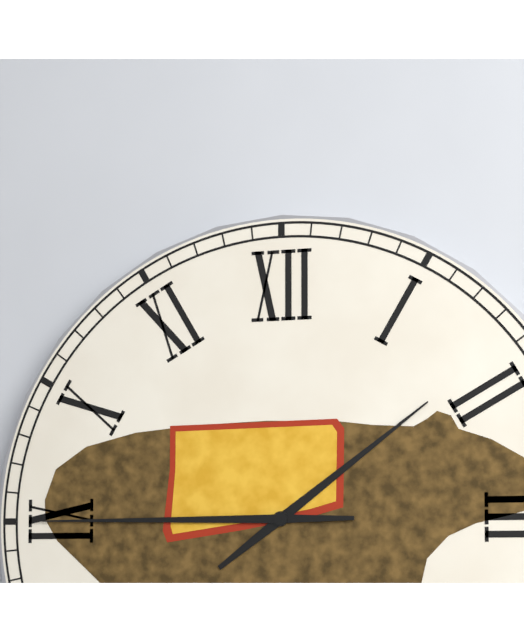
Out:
1.45
